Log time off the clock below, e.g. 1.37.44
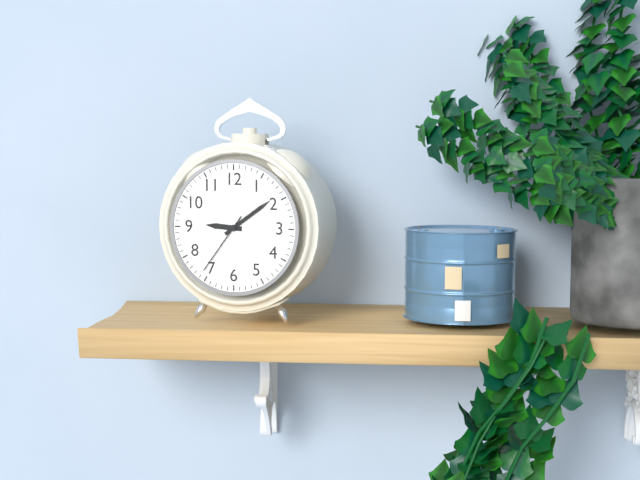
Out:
9.09.36
